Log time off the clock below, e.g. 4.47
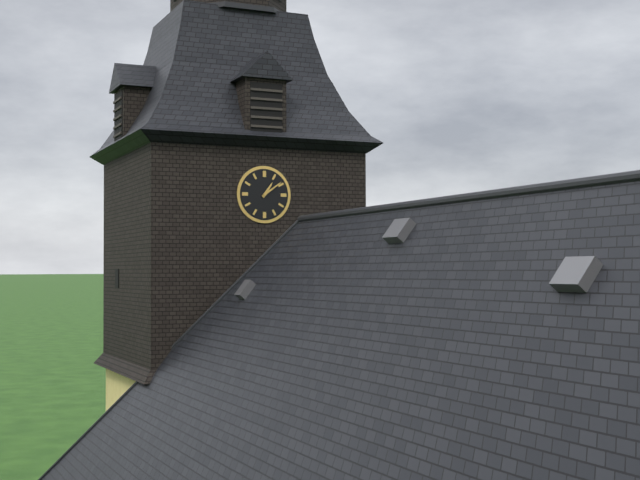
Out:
1.09
